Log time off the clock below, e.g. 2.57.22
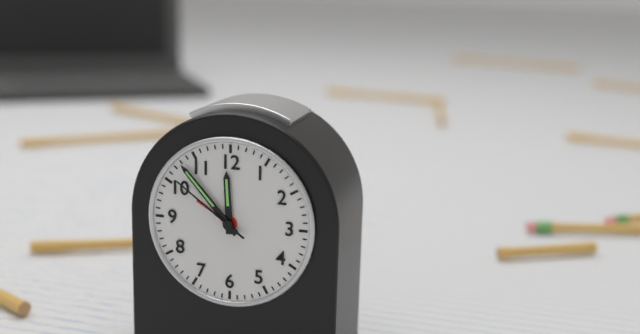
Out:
11.53.51
